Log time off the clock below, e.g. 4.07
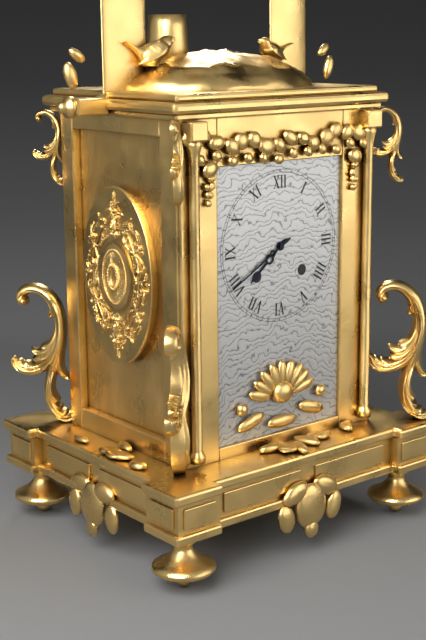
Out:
7.40
